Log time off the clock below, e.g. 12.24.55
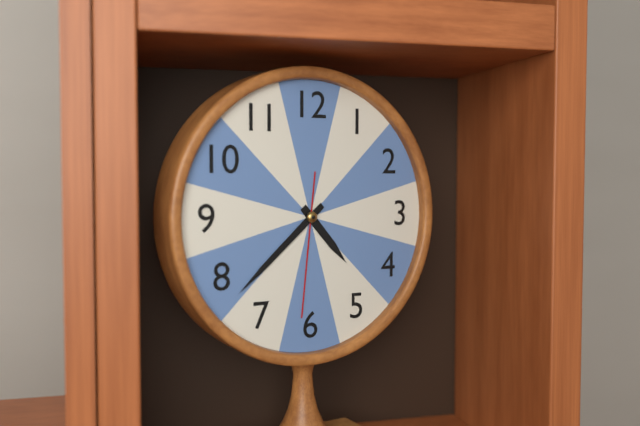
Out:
4.38.31
